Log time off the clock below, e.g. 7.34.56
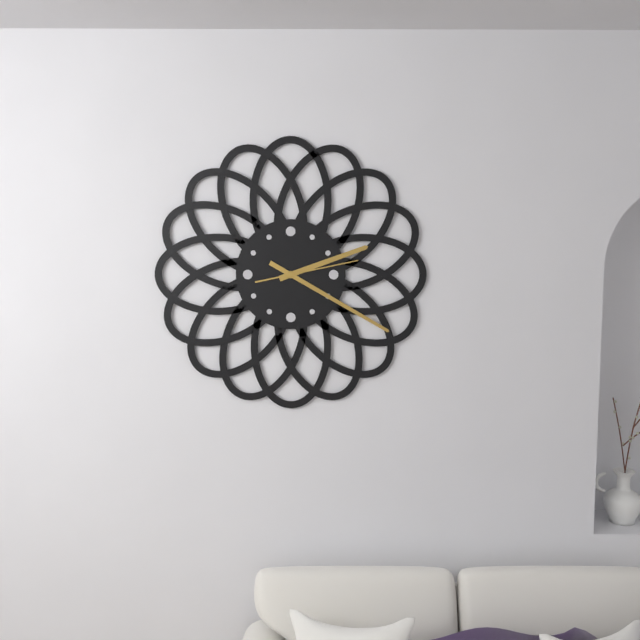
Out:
2.20.13
